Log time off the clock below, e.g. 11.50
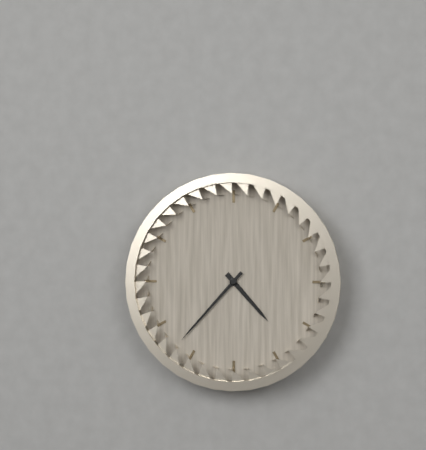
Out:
4.37
